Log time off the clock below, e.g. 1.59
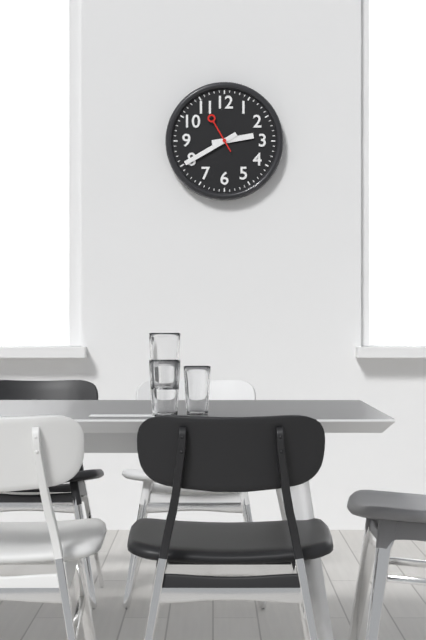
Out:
2.40
